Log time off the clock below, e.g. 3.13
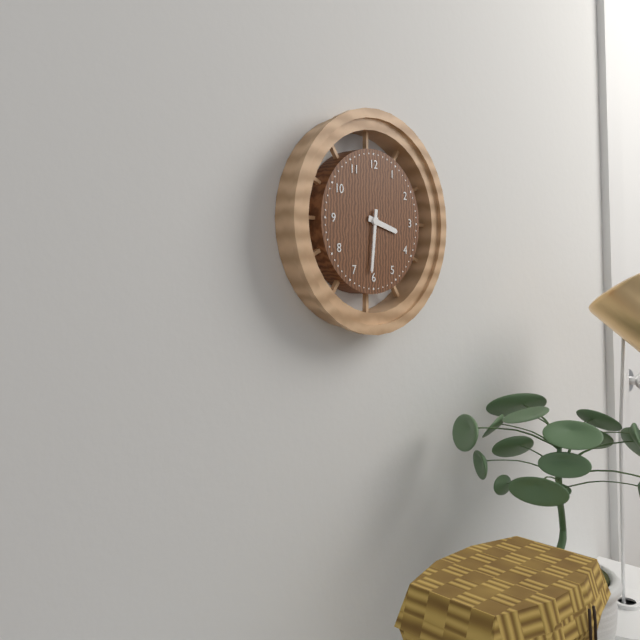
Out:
3.31
